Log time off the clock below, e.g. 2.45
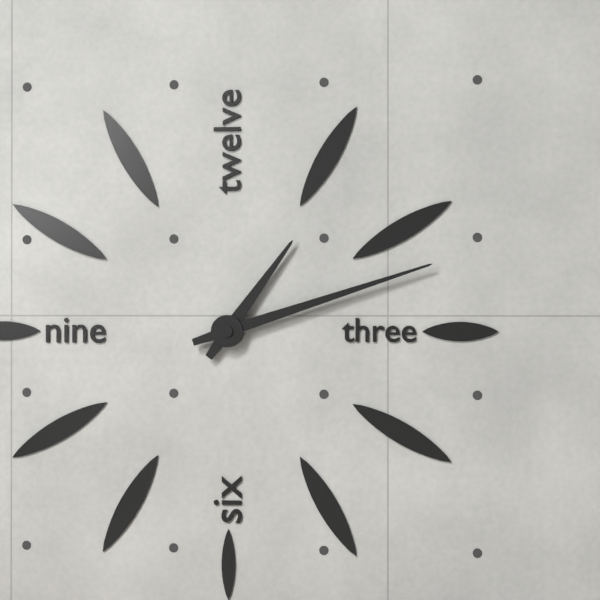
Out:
1.12
